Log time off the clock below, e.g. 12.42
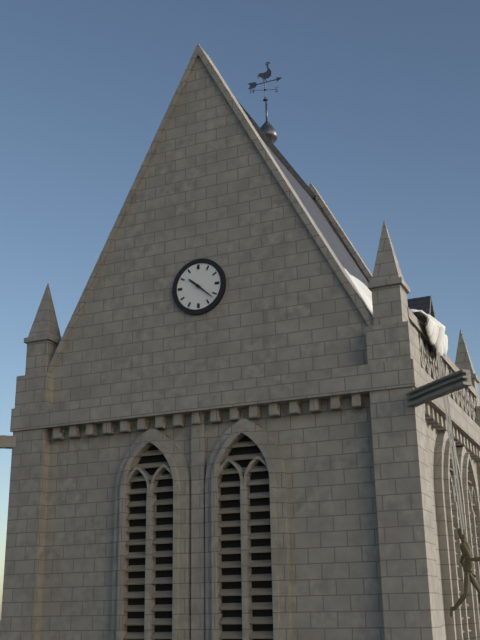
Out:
10.22
